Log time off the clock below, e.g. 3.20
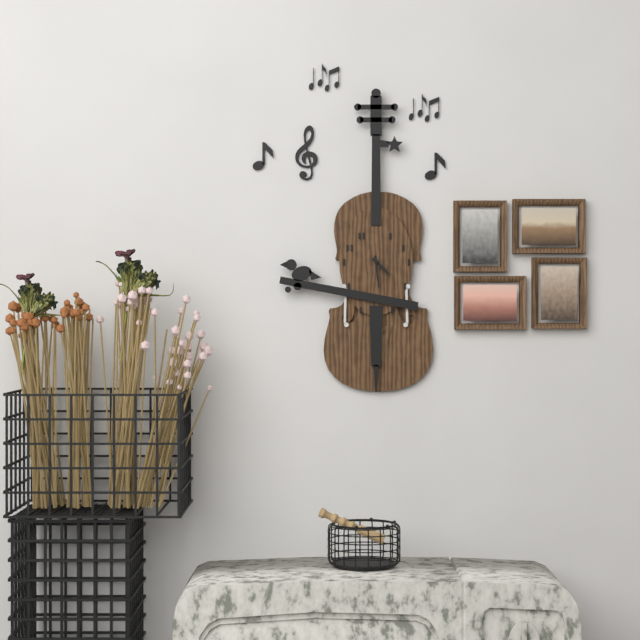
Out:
4.29
